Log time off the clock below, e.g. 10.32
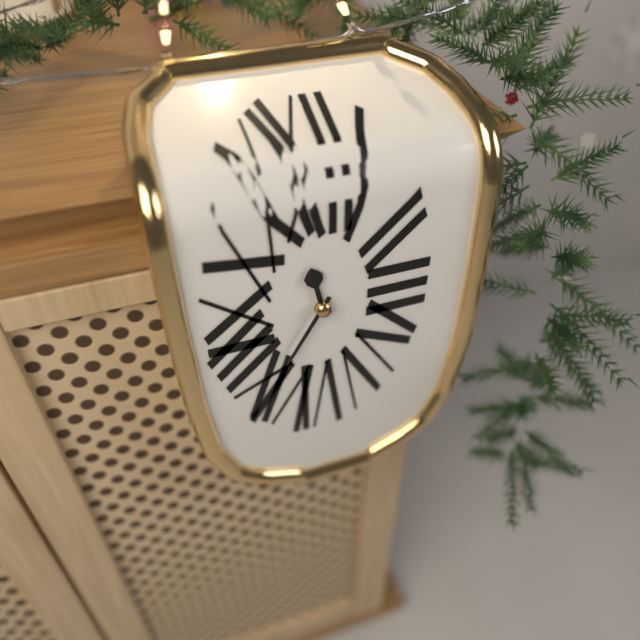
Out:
11.35
